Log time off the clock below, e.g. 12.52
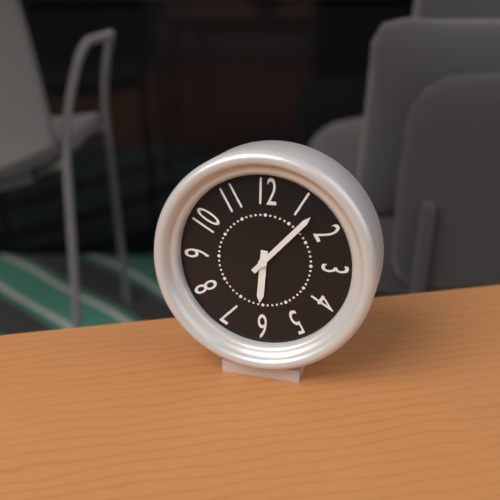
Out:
6.07
